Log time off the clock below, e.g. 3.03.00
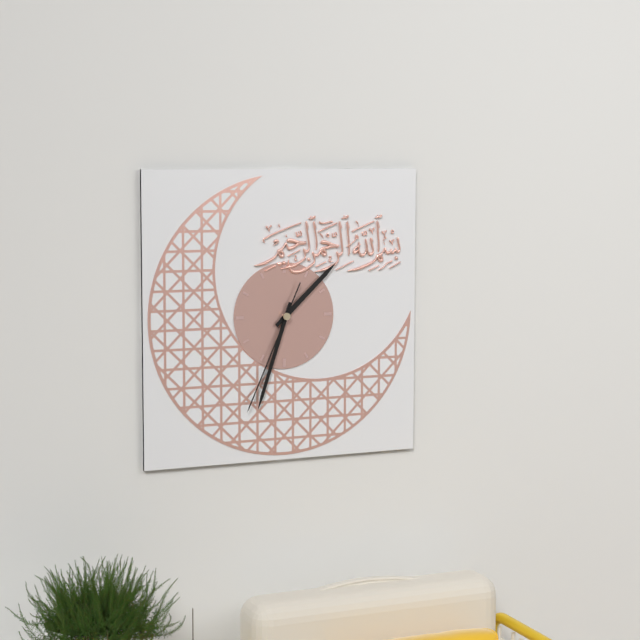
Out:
1.33.34
